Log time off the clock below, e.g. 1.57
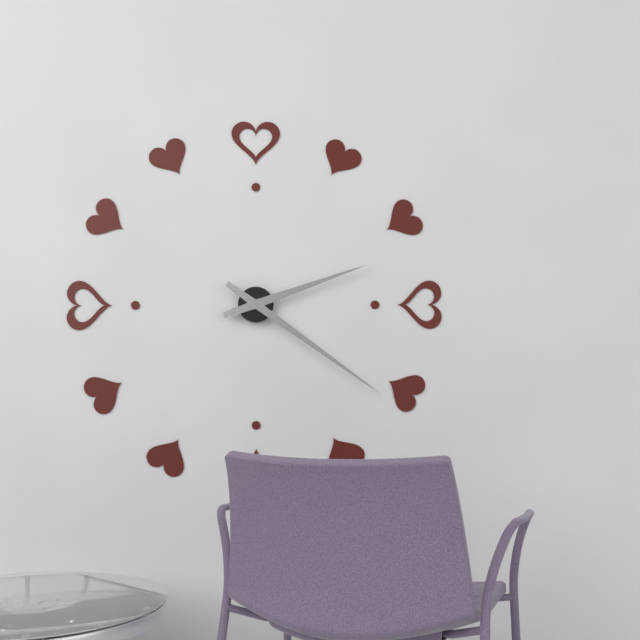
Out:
2.21
